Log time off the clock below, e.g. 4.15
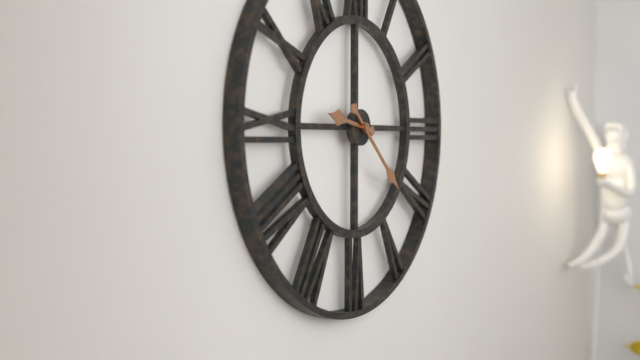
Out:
9.22
